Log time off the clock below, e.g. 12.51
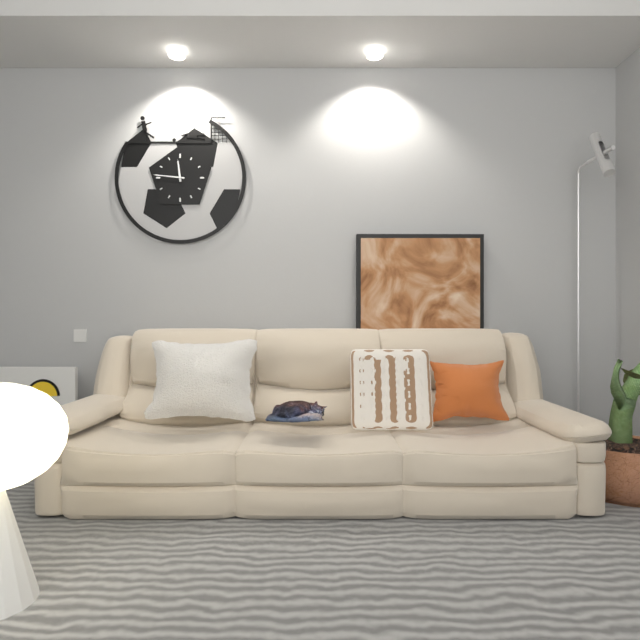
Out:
11.46
